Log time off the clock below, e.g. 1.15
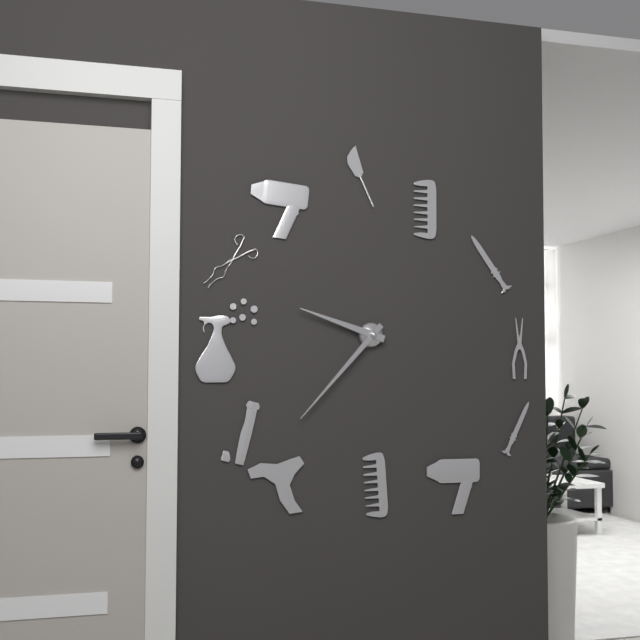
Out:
9.37
